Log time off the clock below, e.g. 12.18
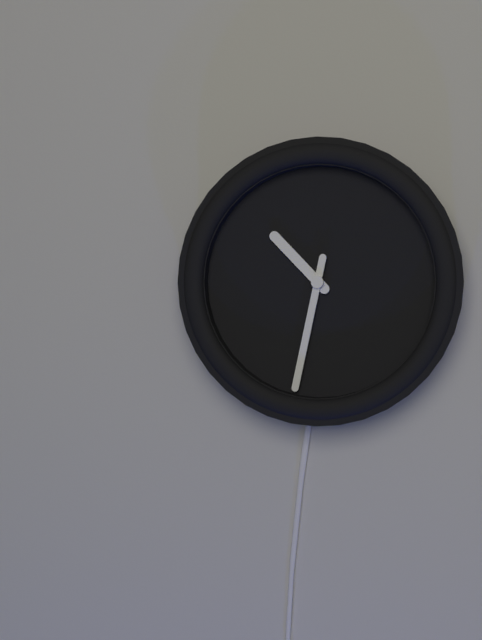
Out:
10.32
